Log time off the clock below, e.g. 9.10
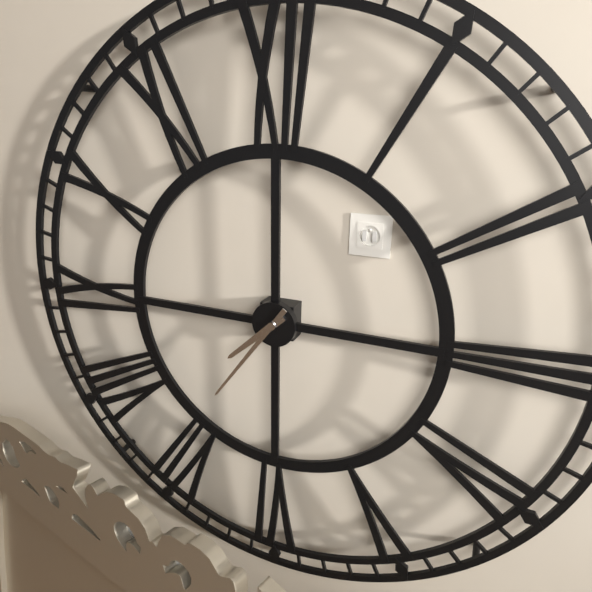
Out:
7.36
